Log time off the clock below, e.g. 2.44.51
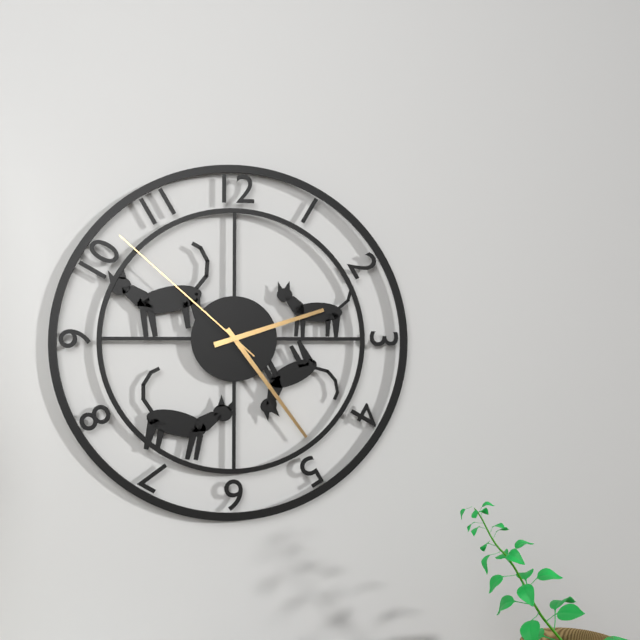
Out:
2.24.52
